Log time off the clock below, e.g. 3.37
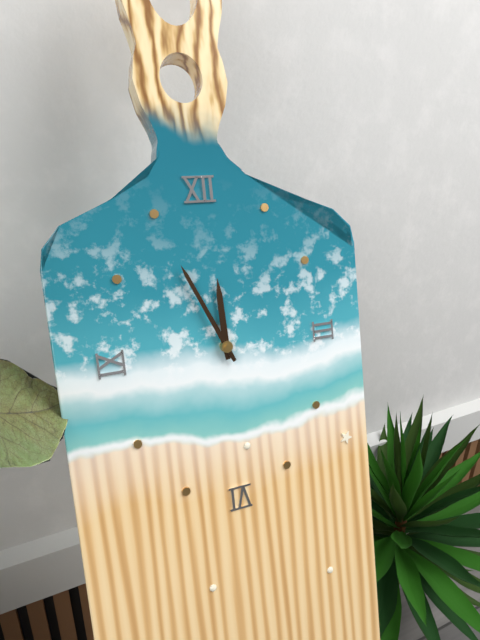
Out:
11.56
